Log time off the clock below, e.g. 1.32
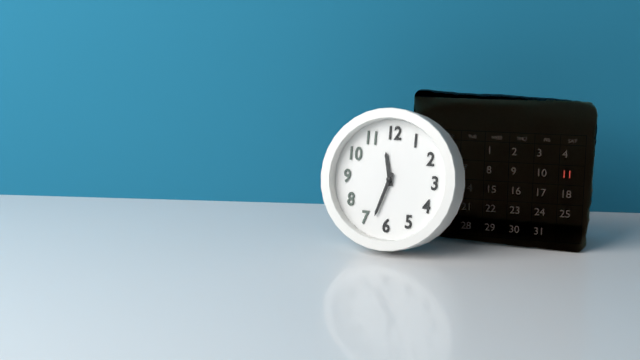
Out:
11.33
